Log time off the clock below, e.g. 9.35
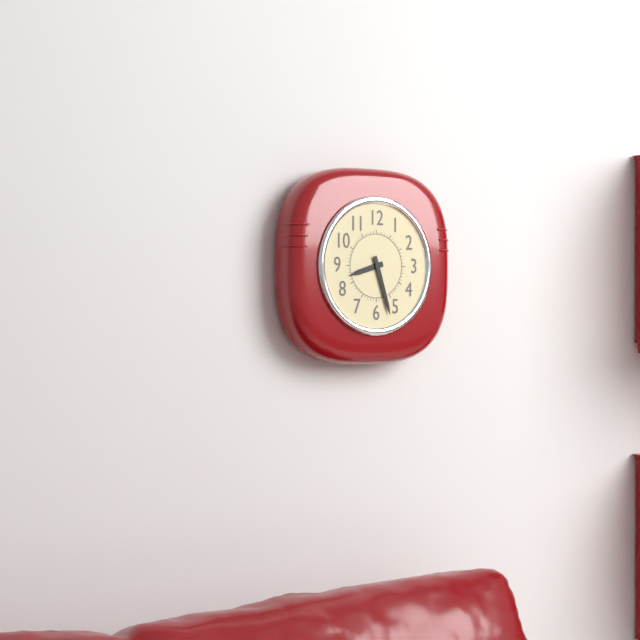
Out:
8.27
